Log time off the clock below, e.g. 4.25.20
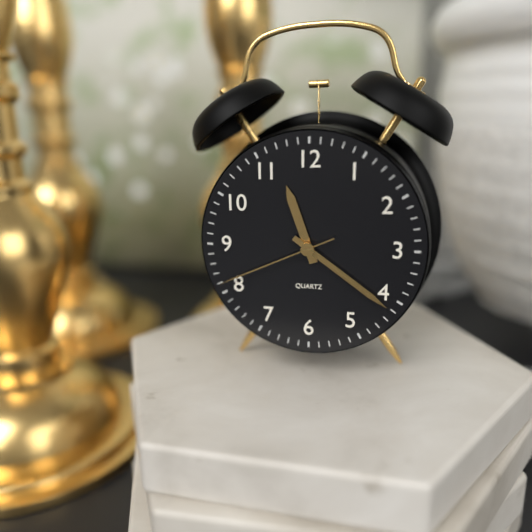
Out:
11.21.41
